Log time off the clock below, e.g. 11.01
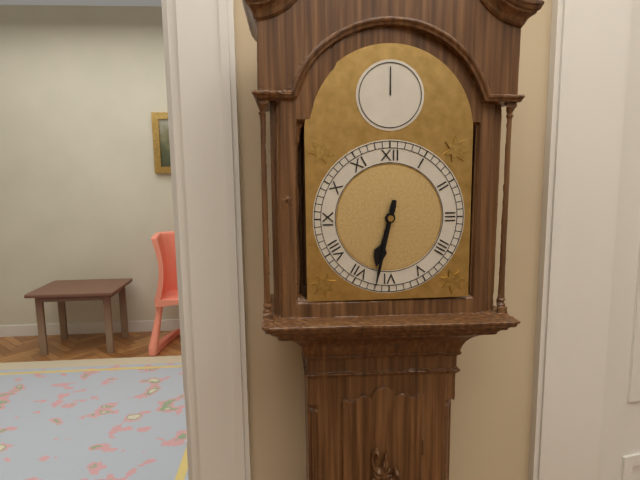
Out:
6.32
